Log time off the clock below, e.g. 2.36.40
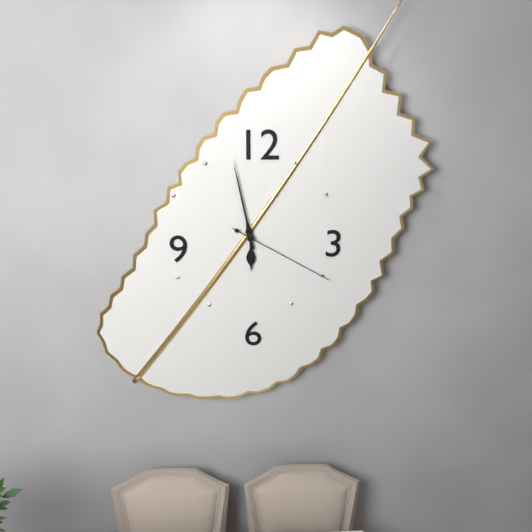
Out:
5.58.20
